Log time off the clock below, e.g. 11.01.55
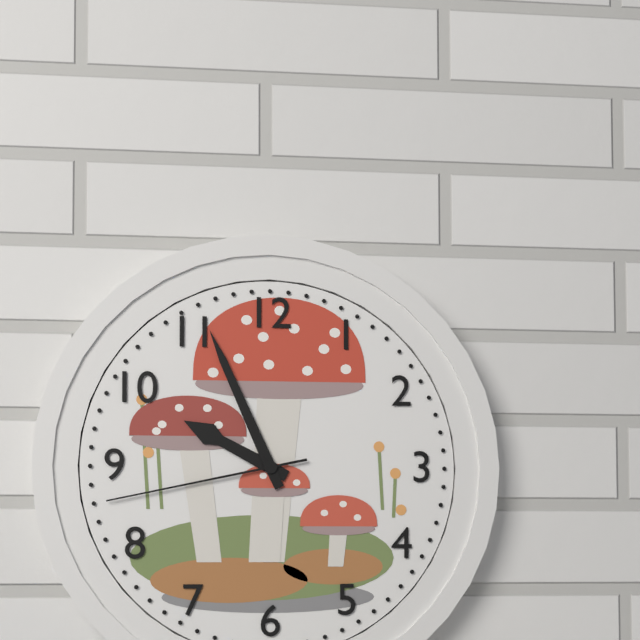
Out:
9.56.43
